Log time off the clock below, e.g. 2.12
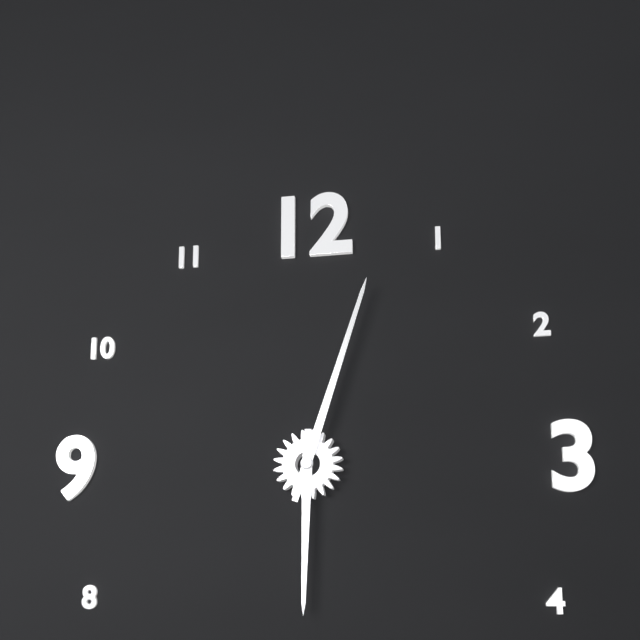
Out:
6.03
